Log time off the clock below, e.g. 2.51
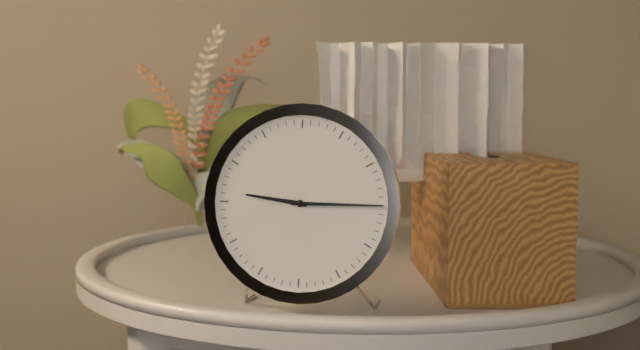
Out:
9.15
